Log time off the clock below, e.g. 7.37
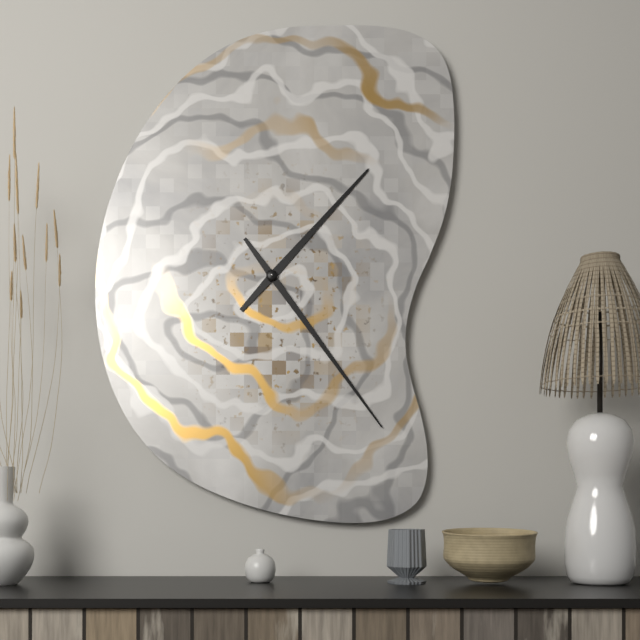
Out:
1.24
